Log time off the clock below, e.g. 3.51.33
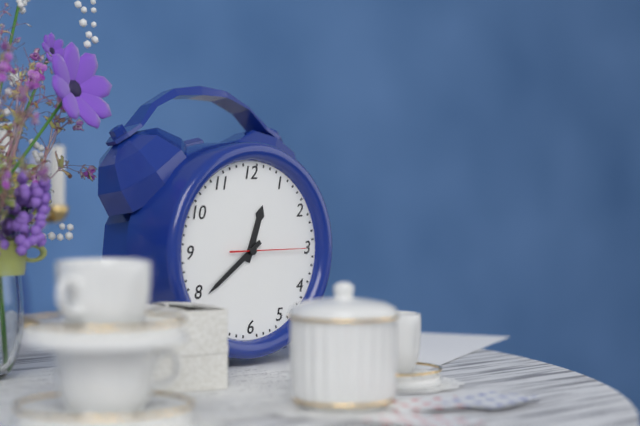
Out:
12.39.15
